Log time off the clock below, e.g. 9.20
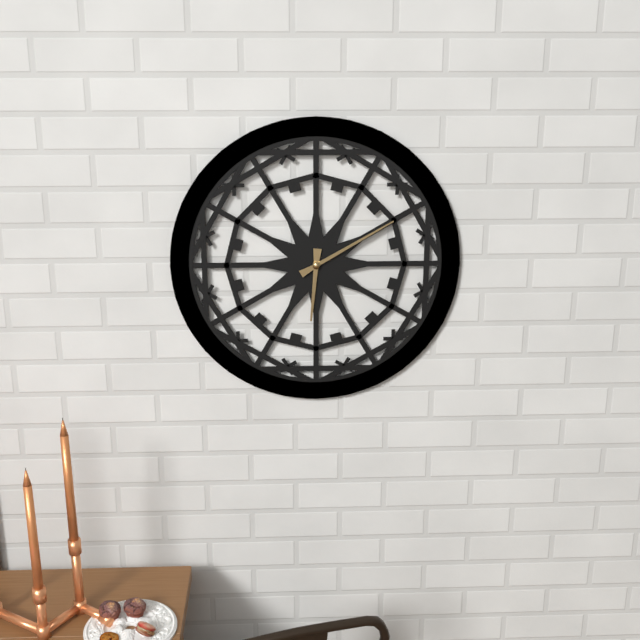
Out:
6.10
